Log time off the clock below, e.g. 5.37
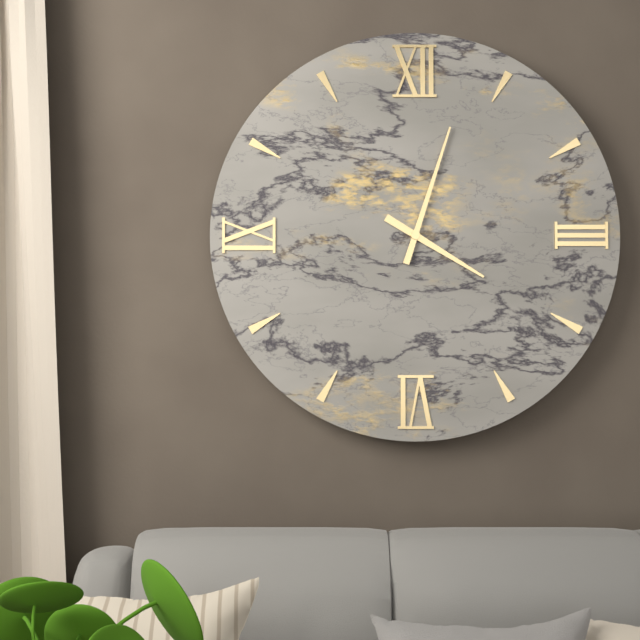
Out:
4.03
